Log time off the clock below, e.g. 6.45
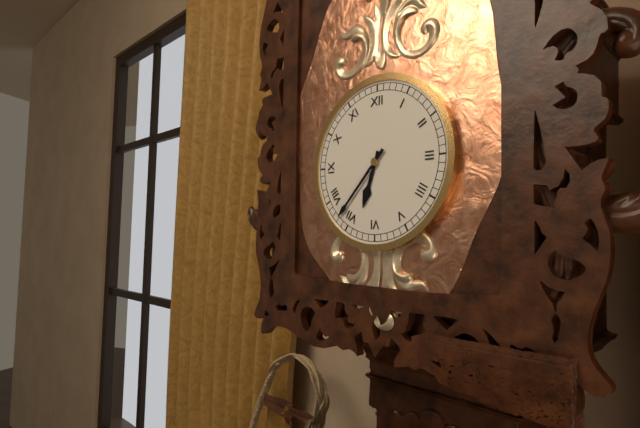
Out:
6.37
